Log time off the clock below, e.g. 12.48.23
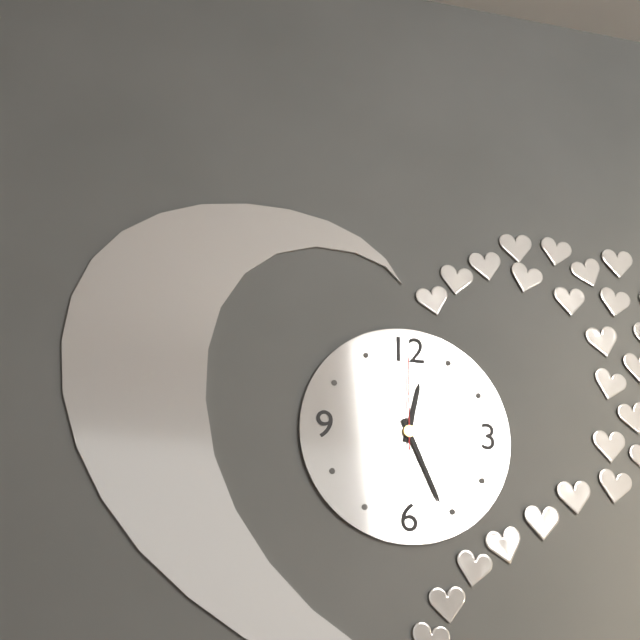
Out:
12.26.00
